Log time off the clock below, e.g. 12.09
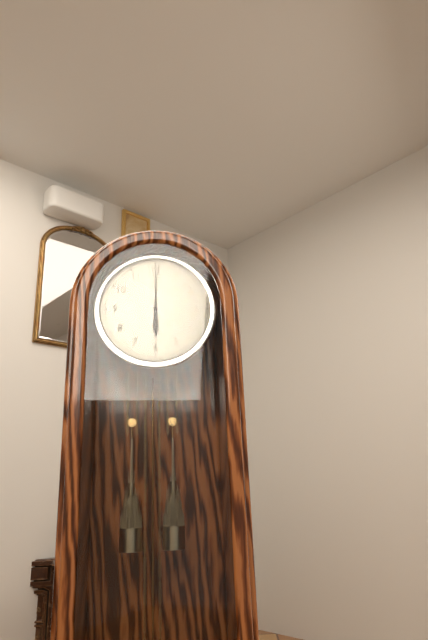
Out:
6.00
